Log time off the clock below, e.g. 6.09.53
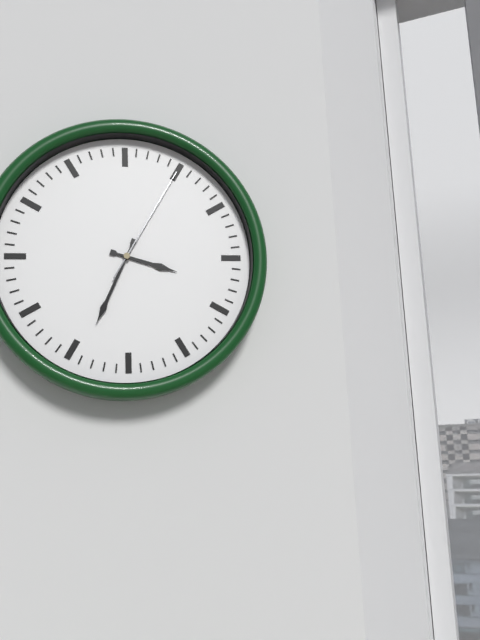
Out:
3.34.05
